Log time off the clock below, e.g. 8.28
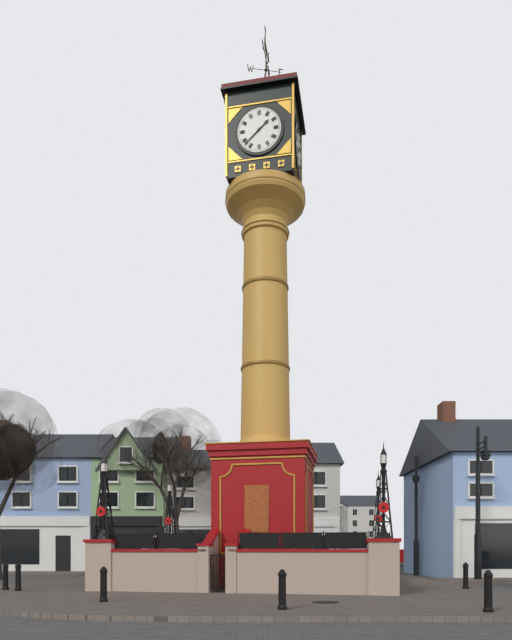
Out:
1.38
